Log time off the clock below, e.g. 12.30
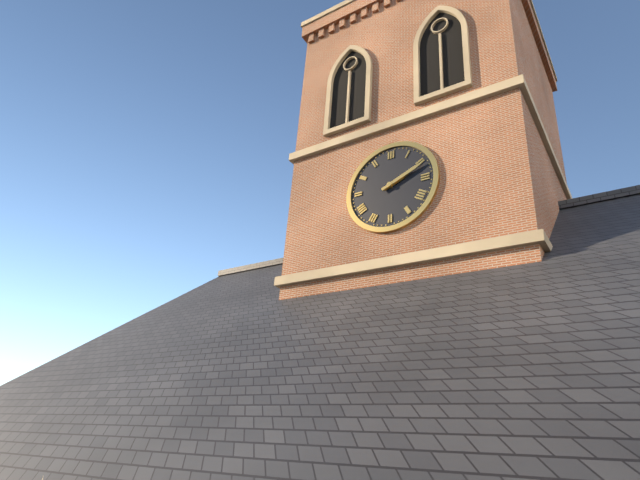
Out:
2.11
